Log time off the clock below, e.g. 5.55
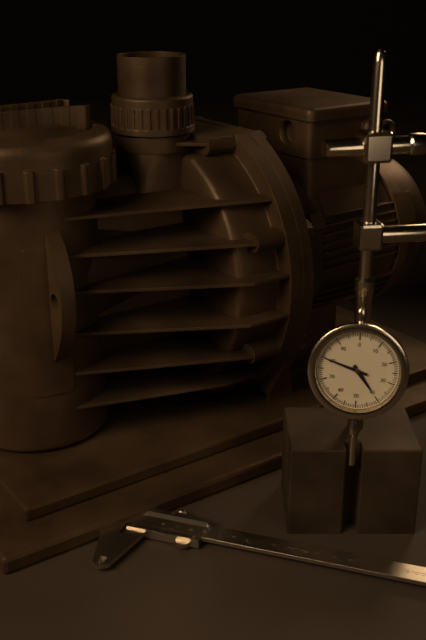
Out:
4.48
